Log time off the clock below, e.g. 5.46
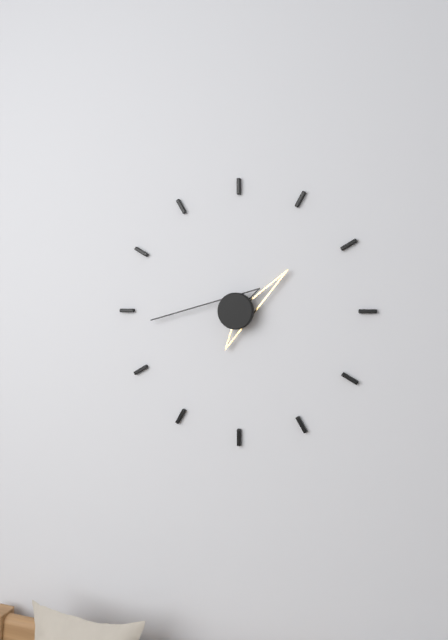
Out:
1.44
